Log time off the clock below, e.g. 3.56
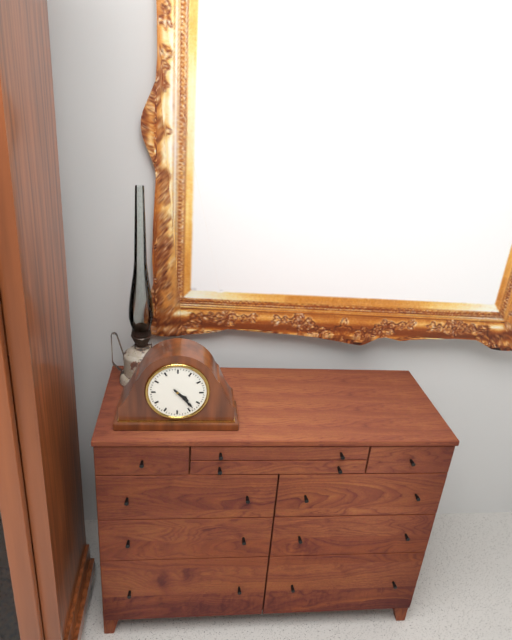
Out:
4.23
